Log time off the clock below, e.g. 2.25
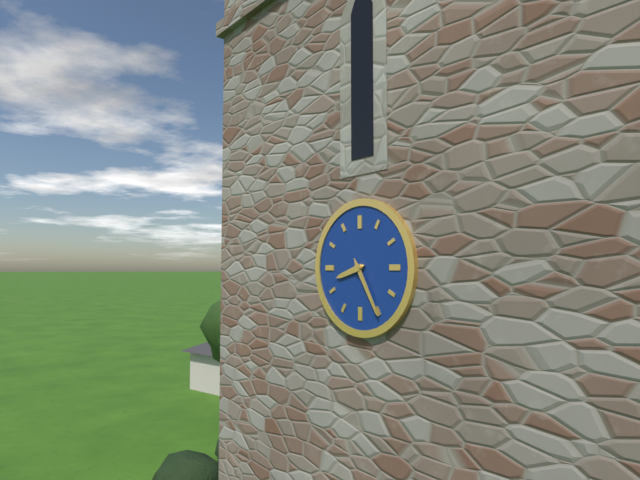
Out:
8.25
